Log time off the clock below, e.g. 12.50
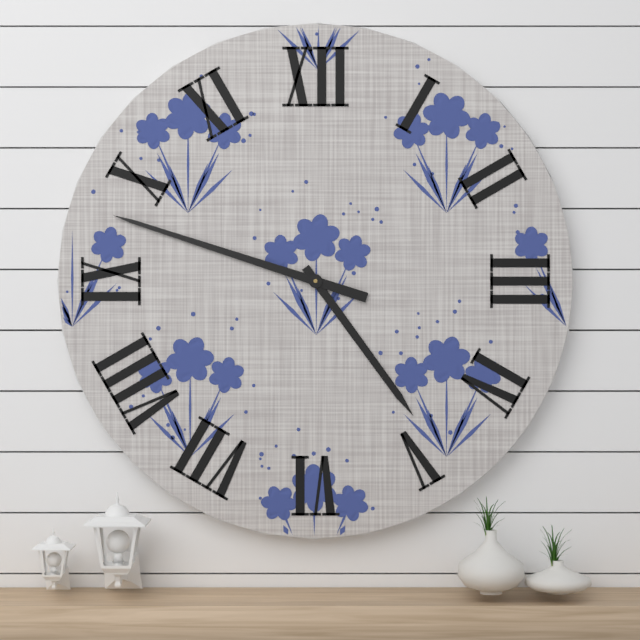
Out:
4.48
